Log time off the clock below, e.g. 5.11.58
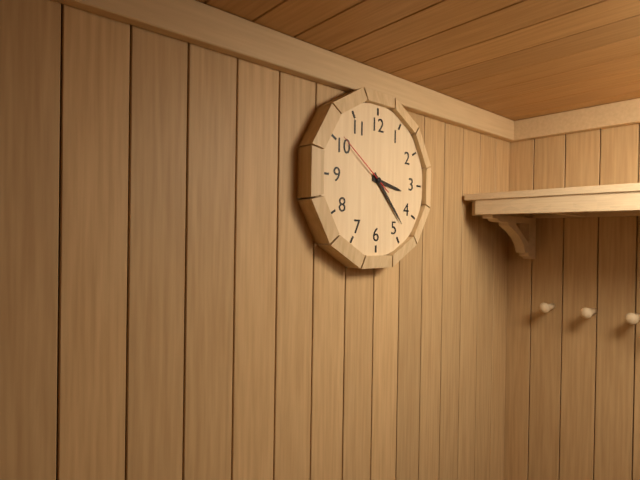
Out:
3.23.51
